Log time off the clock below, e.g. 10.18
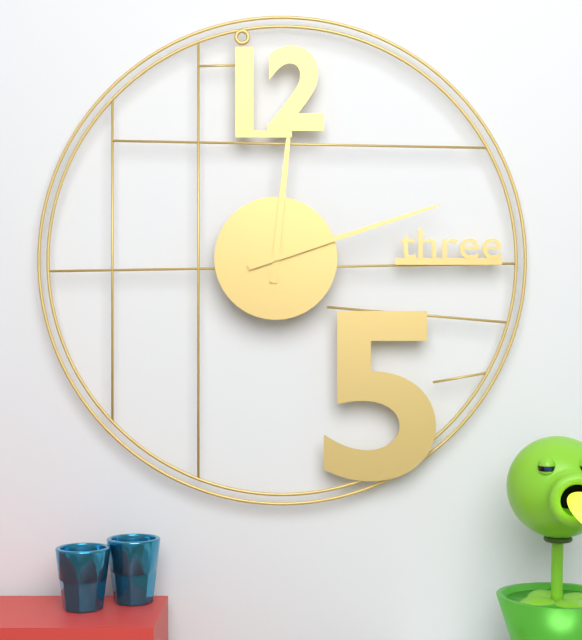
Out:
12.12
